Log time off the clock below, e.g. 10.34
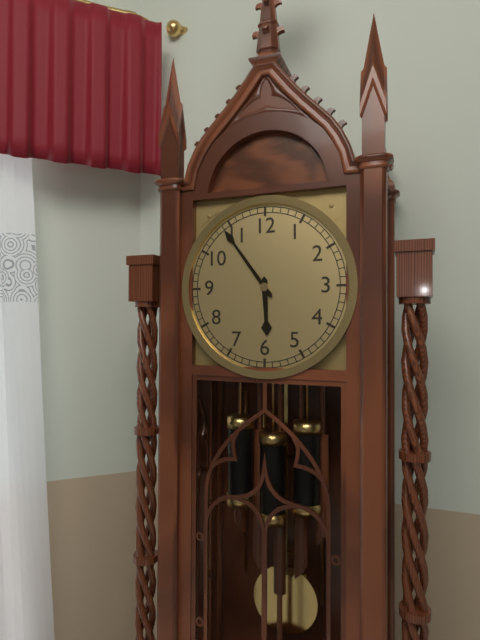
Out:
5.54
